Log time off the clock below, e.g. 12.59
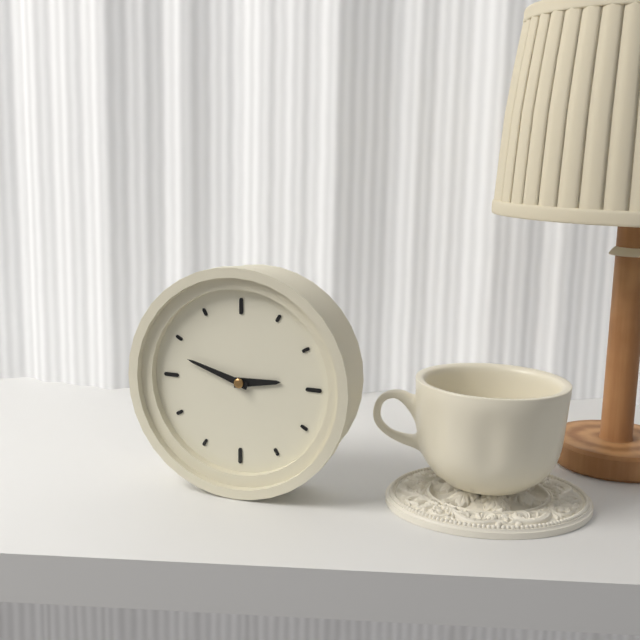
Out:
2.48
